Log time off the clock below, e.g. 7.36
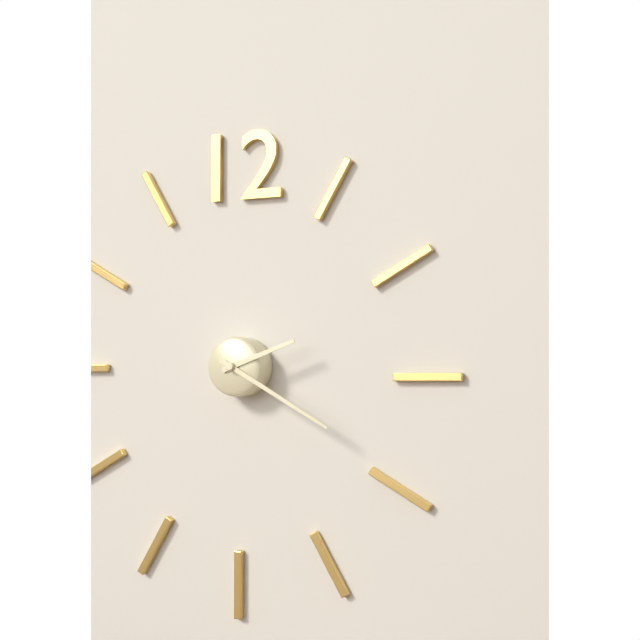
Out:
2.20
